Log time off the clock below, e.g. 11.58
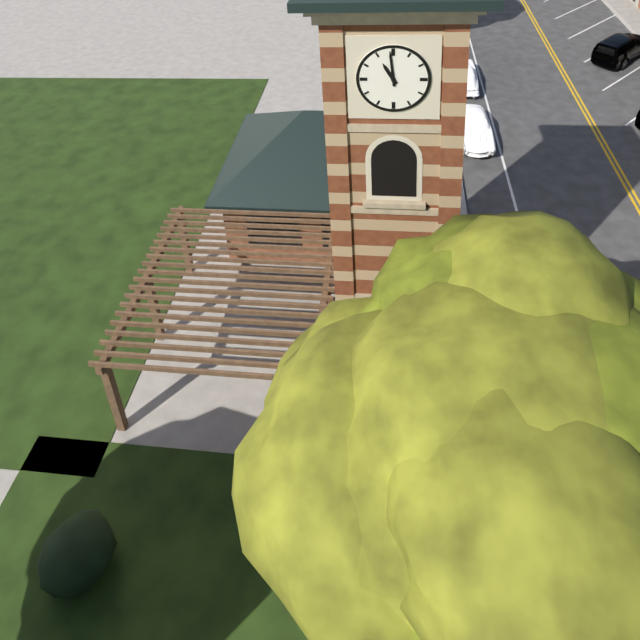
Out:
10.59
